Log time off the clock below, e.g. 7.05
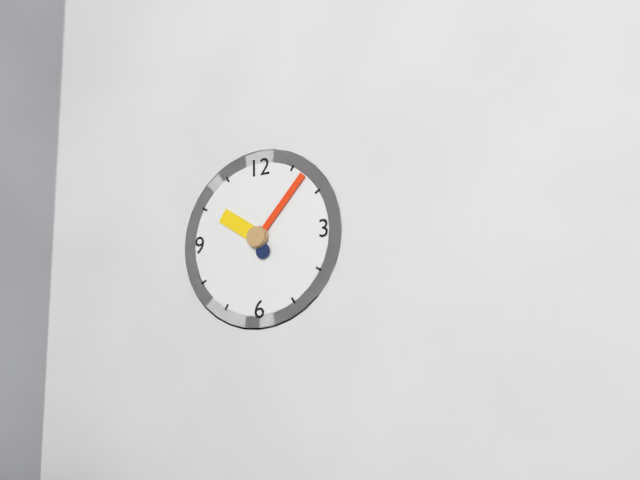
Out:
10.07
